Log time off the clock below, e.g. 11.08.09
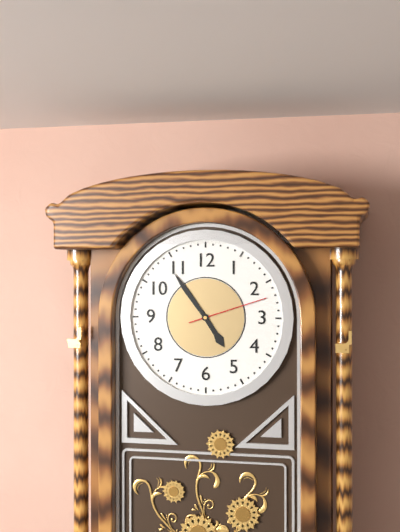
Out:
4.54.12
